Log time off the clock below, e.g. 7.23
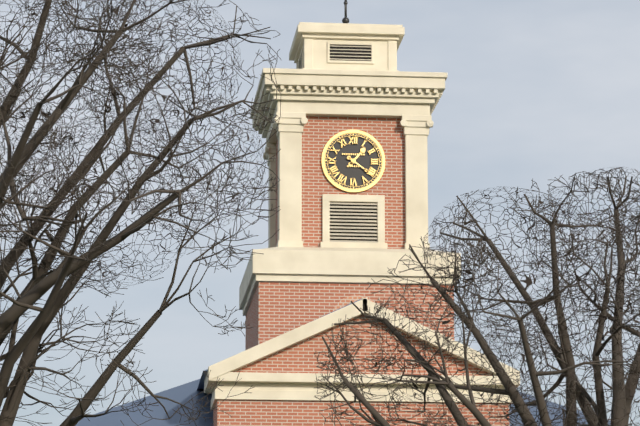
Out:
1.21
